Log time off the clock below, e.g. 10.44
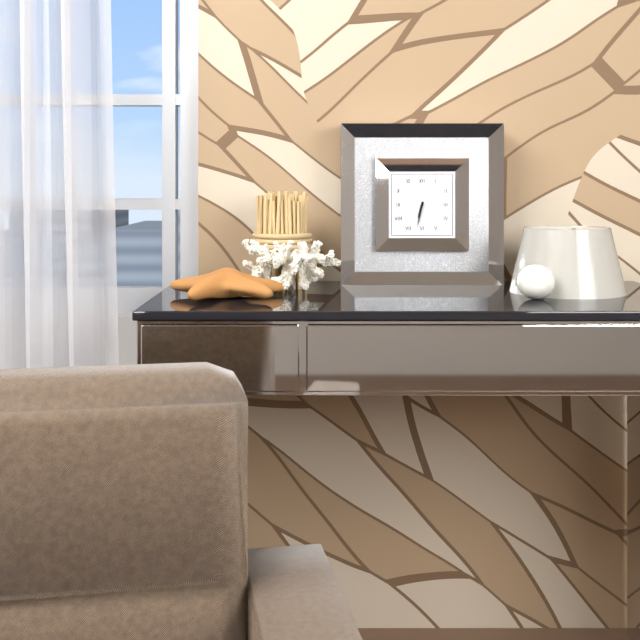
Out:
6.32
